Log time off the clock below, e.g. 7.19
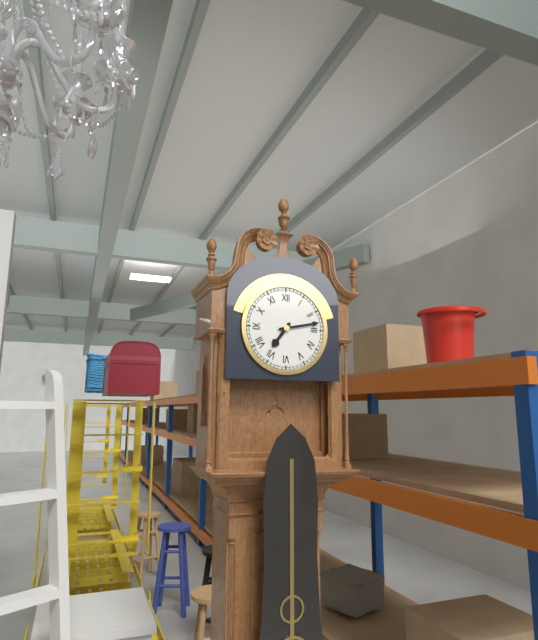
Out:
7.13
